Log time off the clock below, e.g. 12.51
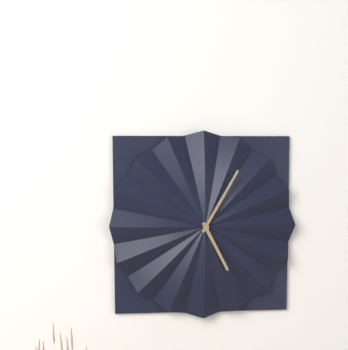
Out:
5.05
